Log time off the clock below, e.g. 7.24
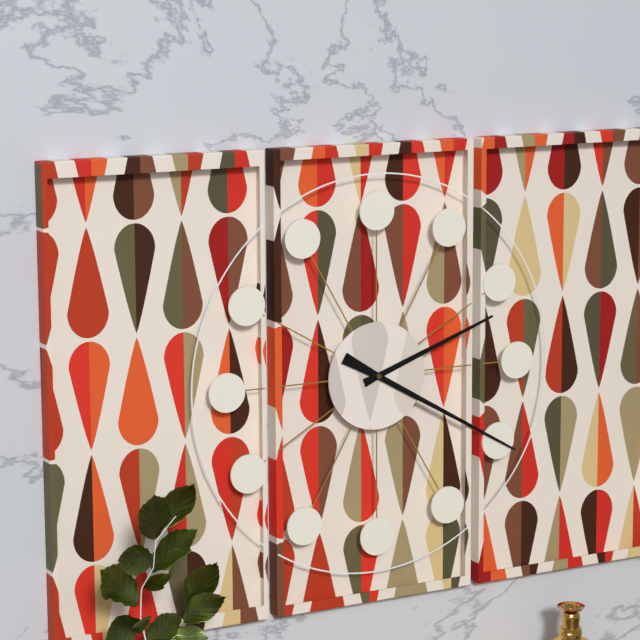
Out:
2.20
